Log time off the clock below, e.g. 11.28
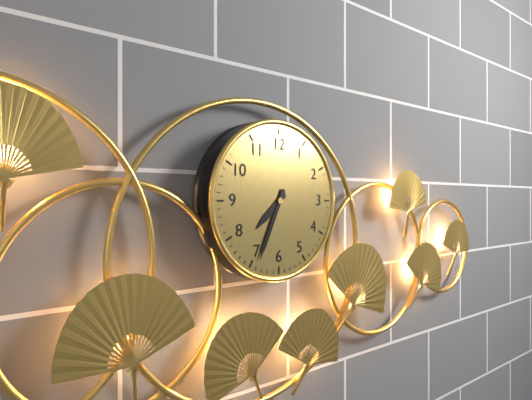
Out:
7.34
